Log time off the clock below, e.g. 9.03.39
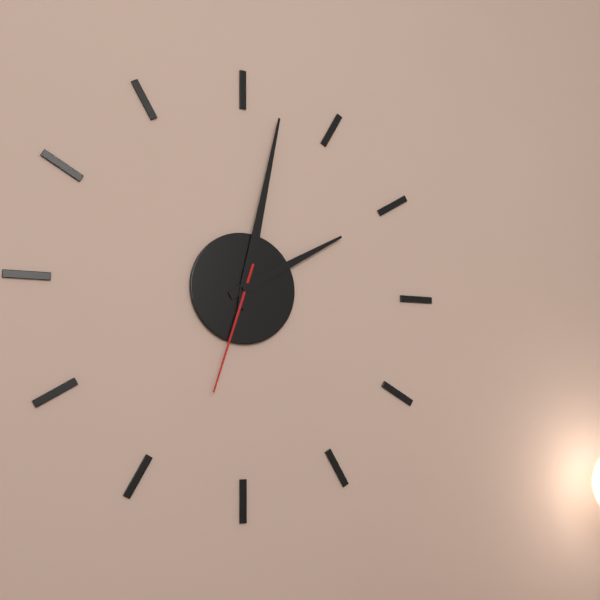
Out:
2.02.33
